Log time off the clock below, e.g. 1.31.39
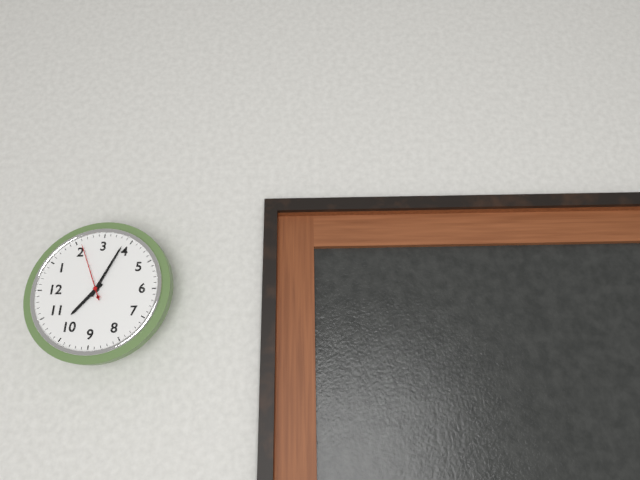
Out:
10.19.11
